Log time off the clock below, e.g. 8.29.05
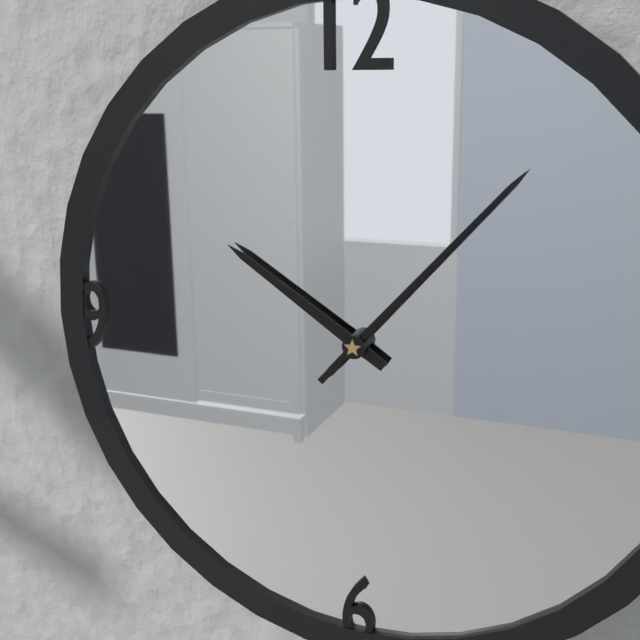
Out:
10.07.07
